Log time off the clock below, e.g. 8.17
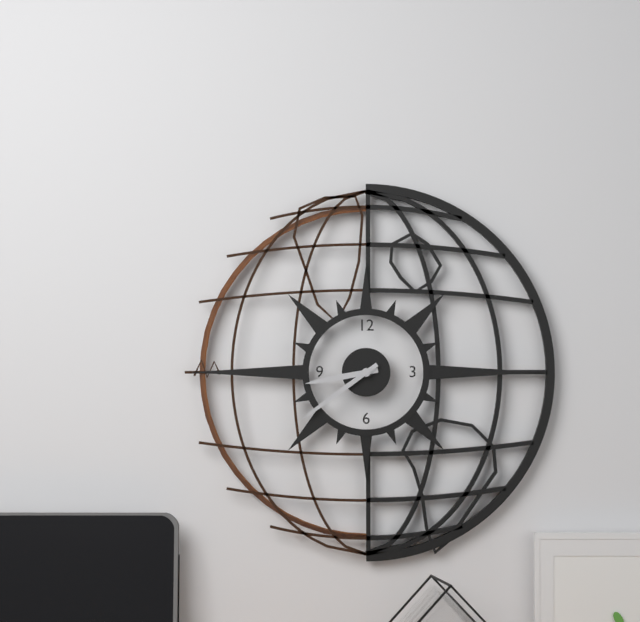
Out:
8.39
